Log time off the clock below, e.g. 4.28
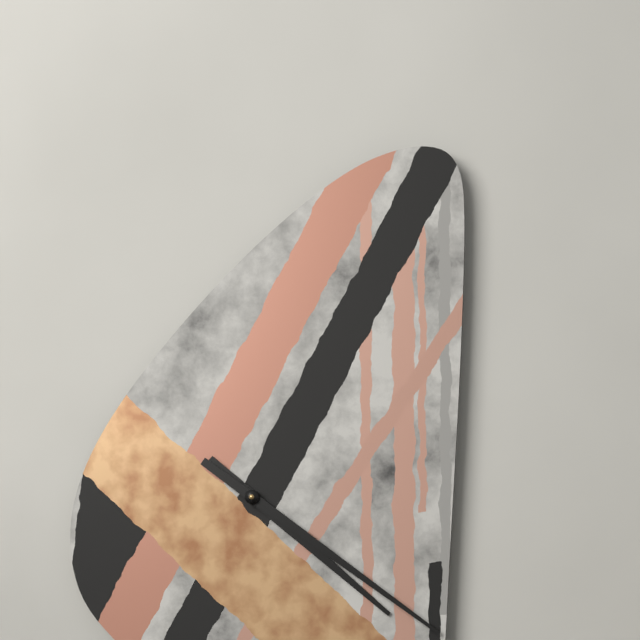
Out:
4.21
